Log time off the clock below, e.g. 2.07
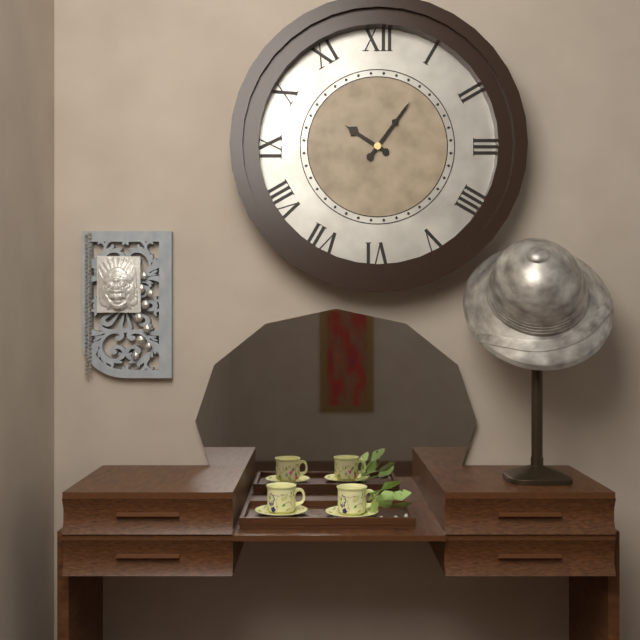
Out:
10.06
